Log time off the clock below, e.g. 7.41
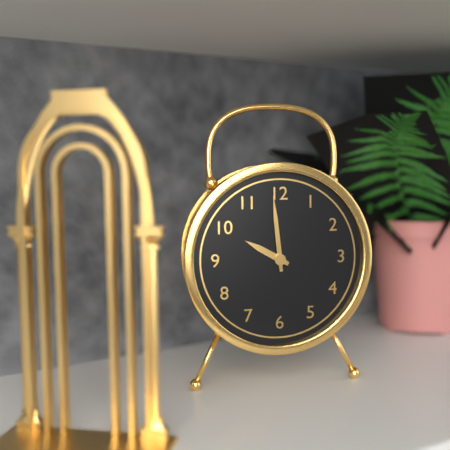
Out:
9.59
